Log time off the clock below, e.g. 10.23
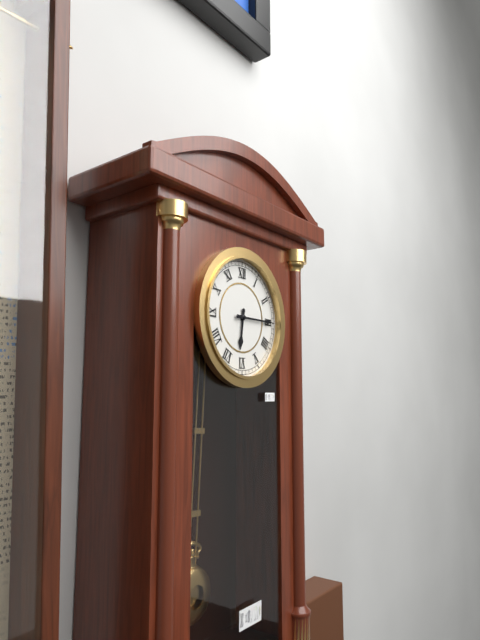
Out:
6.15
